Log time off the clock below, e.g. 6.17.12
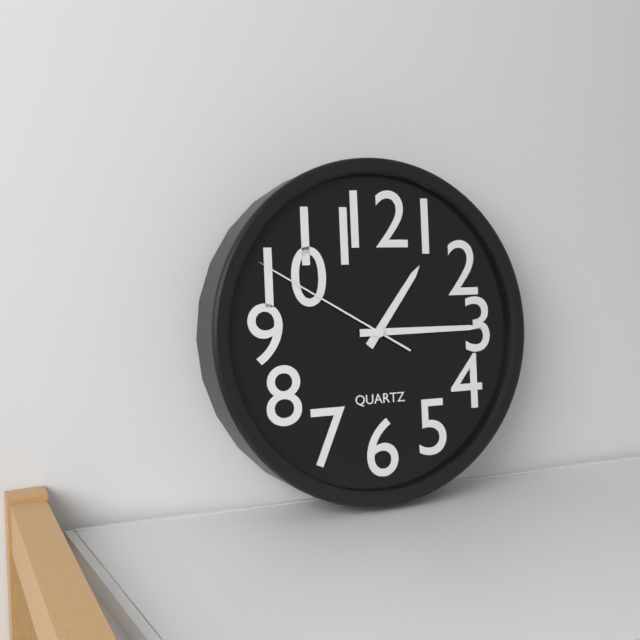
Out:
1.15.50
